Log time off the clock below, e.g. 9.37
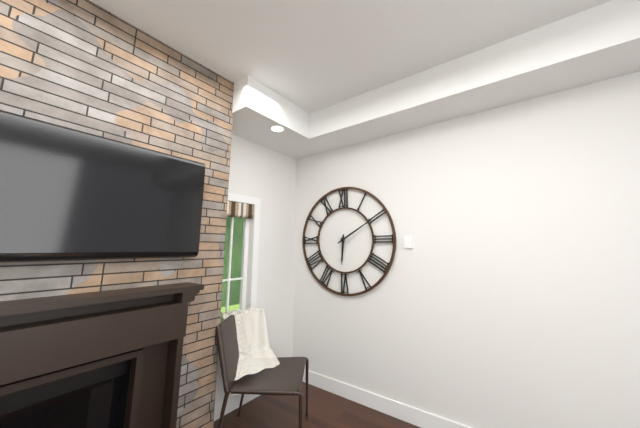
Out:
6.10
